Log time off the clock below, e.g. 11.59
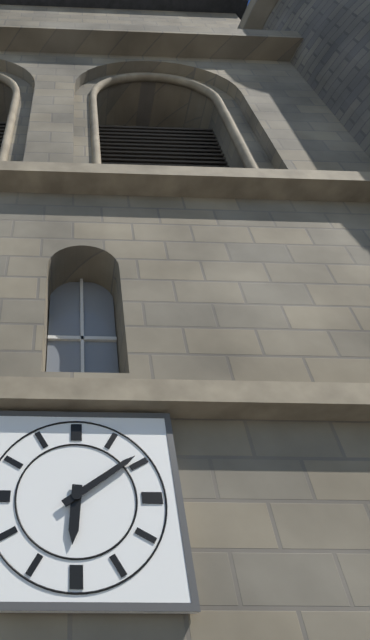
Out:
6.09
